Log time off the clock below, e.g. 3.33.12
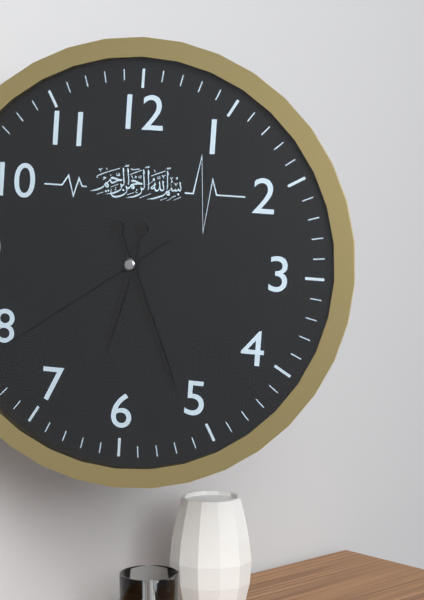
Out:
6.26.39
